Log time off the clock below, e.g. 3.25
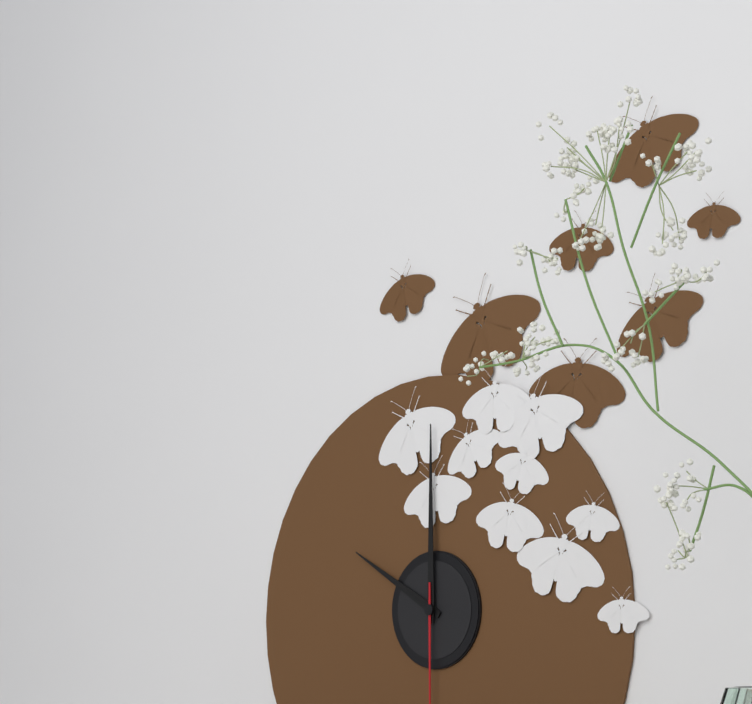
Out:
10.00
